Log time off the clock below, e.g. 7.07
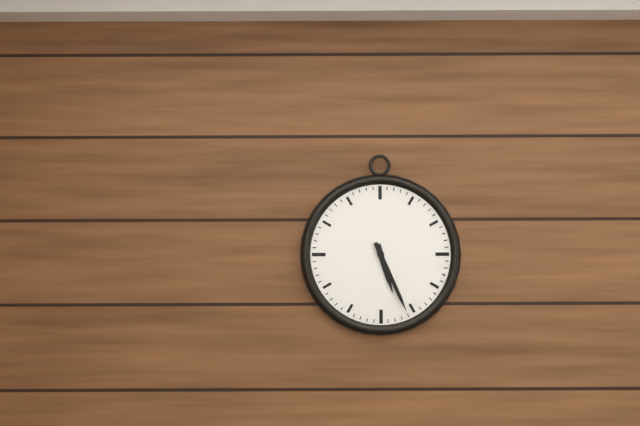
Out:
5.26
